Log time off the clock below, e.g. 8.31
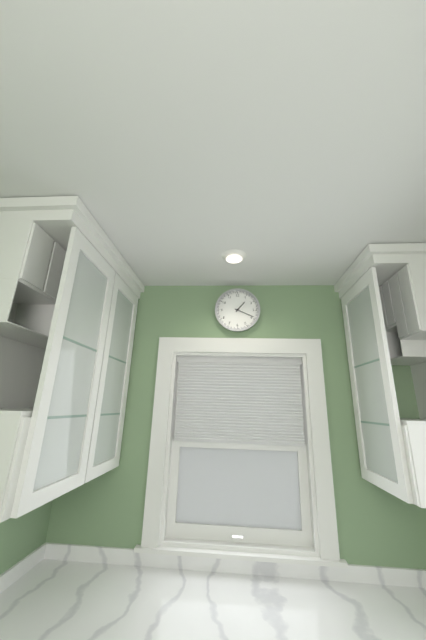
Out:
1.19
